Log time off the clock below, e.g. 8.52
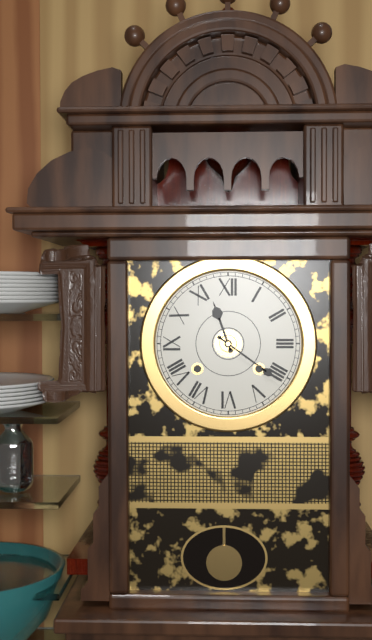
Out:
11.21
